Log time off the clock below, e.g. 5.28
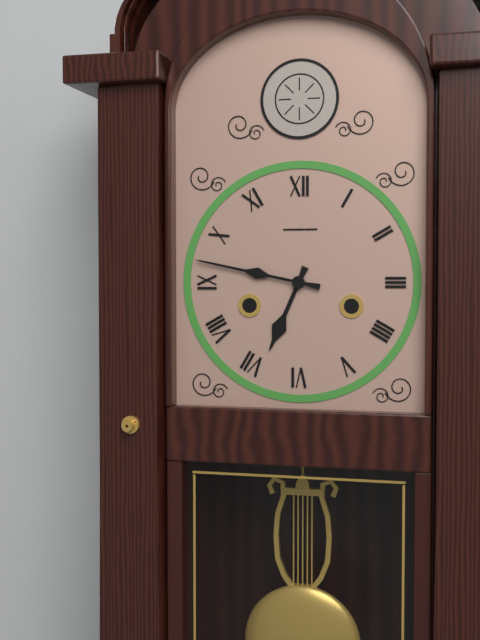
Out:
6.47
